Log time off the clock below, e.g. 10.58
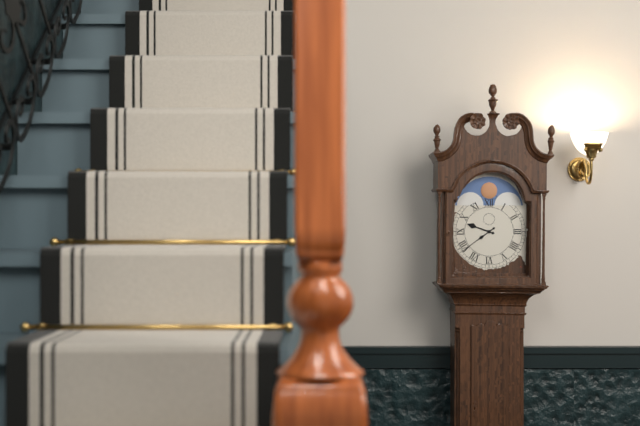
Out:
9.39
